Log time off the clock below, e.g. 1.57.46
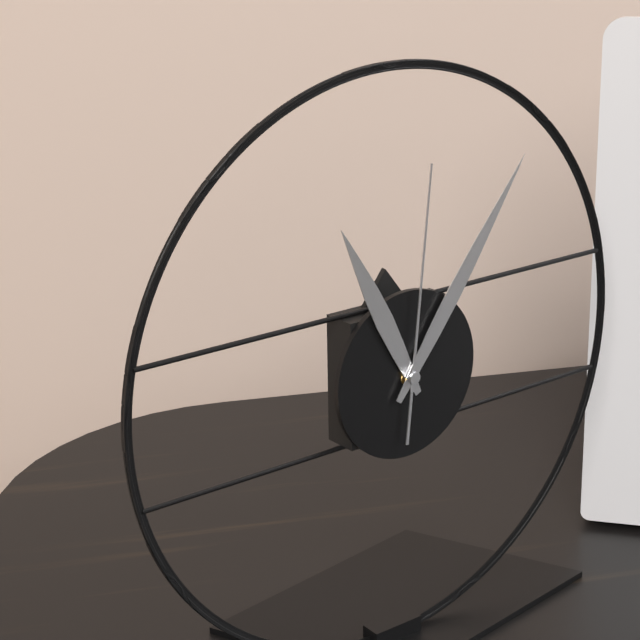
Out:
11.06.01
